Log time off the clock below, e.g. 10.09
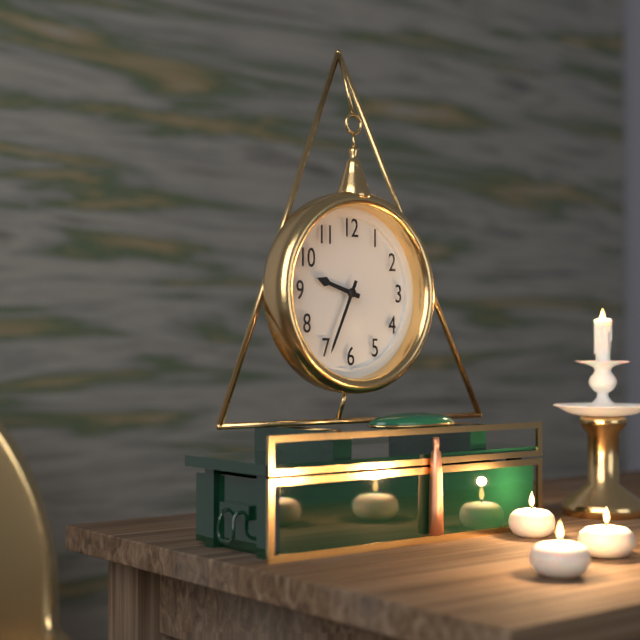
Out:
9.34
